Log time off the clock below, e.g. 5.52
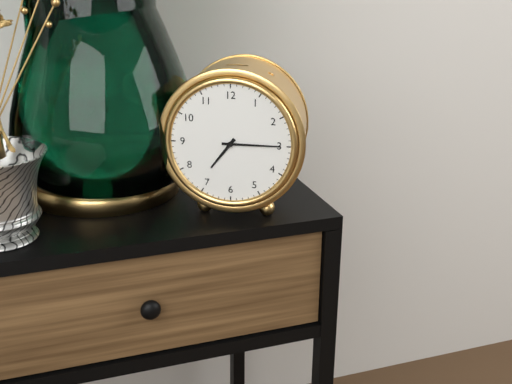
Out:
7.15
